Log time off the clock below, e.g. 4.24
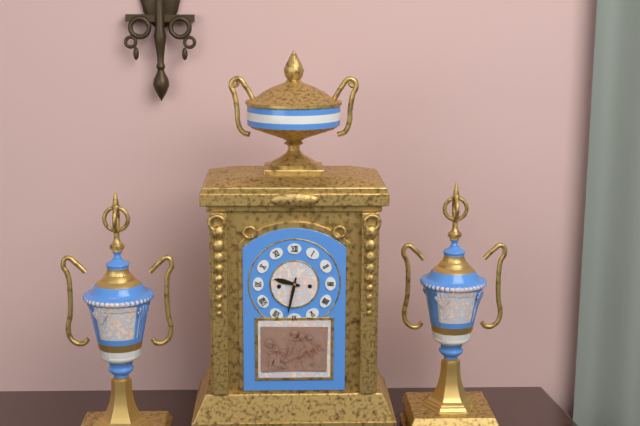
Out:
9.32
